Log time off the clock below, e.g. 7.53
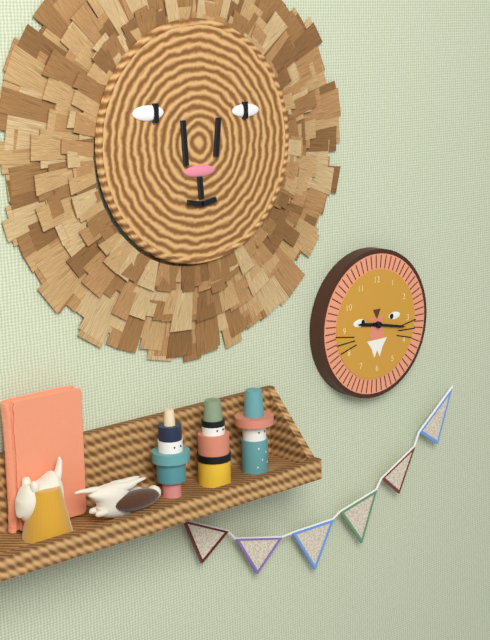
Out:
9.17
